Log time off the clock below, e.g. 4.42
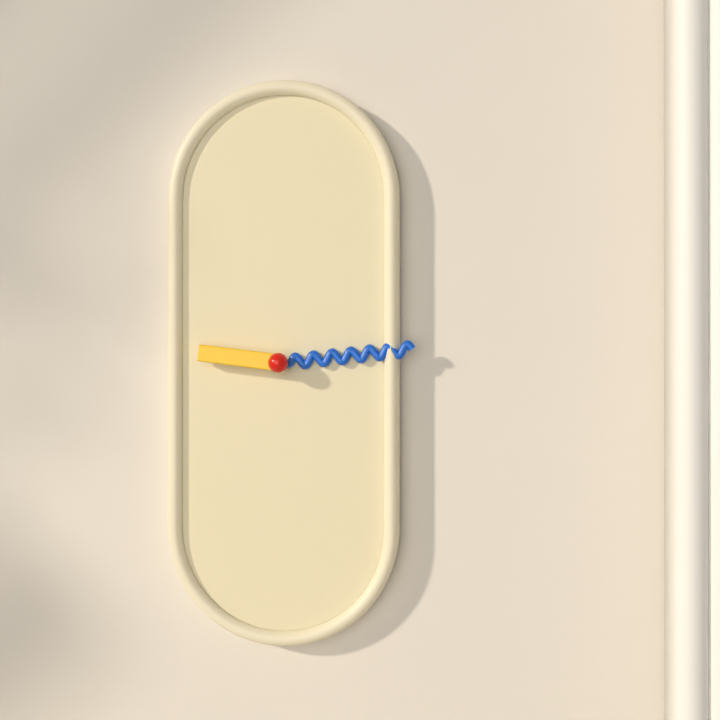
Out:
9.14
